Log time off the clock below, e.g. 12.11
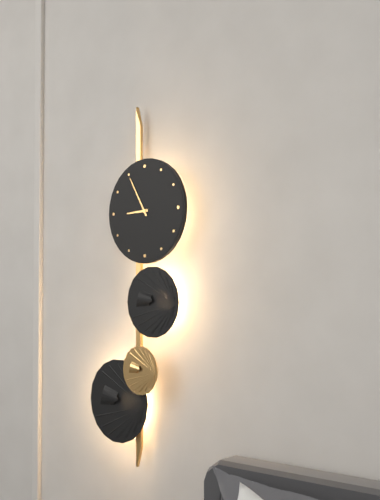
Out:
8.55
